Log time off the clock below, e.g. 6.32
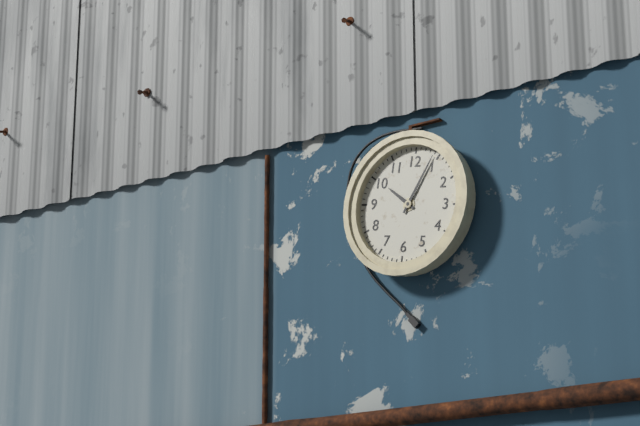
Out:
10.04
